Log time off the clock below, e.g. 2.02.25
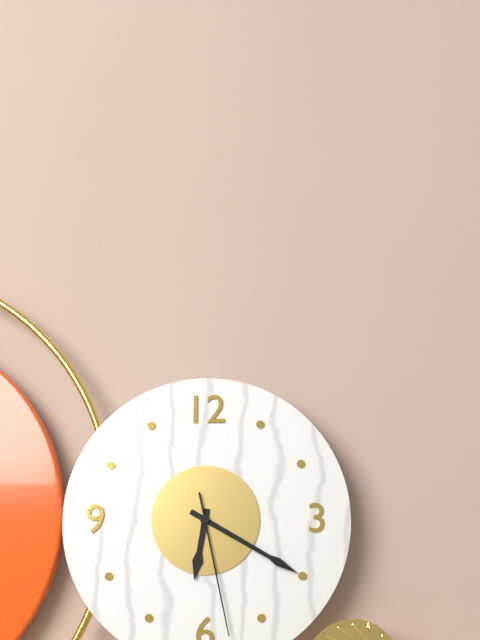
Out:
6.20.28
